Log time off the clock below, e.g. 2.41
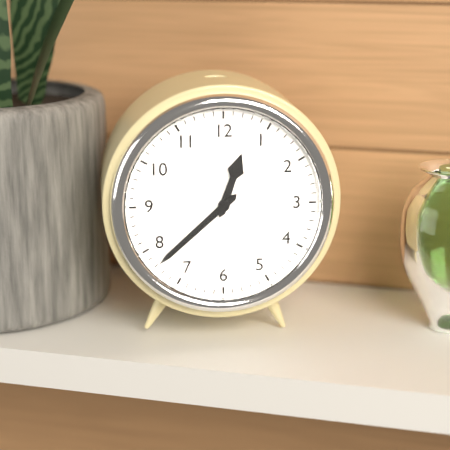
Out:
12.38
